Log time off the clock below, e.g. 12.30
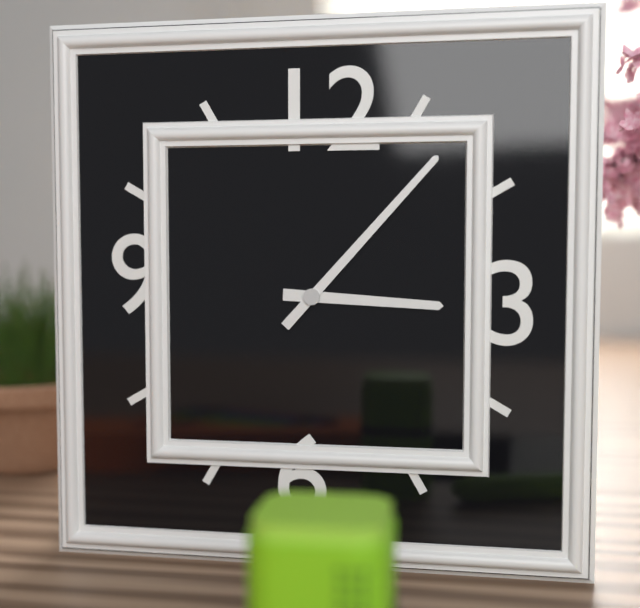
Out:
3.07
